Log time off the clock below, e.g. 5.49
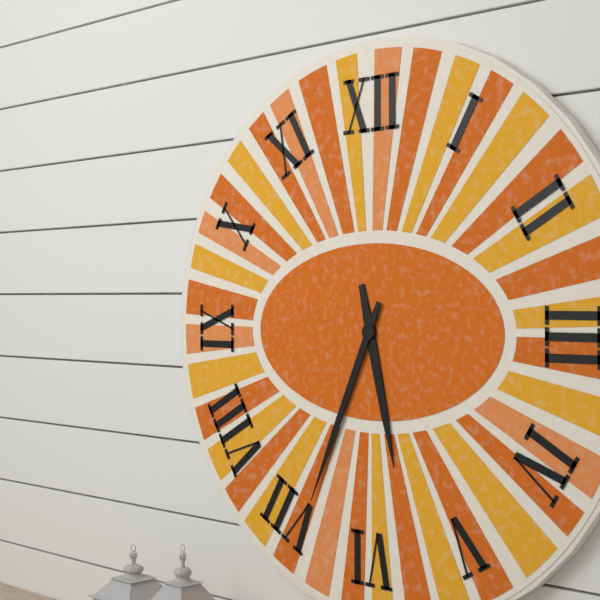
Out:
5.34
